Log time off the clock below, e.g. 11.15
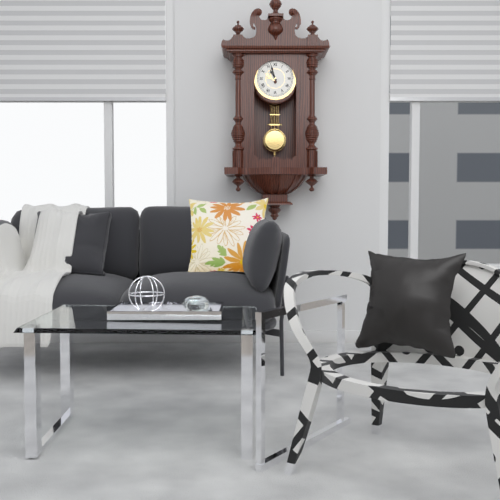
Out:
10.57
